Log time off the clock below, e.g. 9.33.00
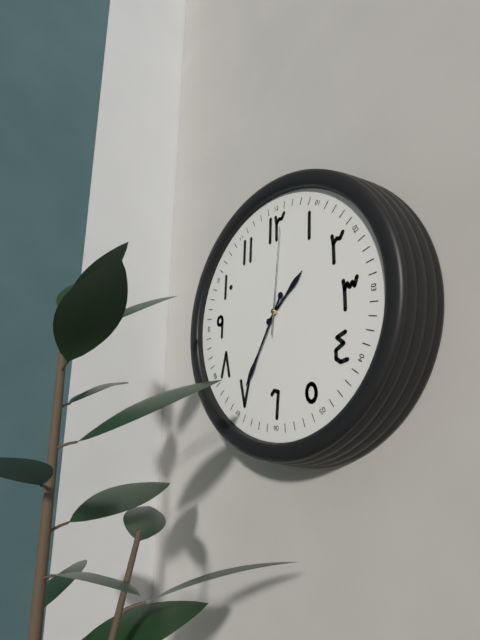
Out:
1.35.01
